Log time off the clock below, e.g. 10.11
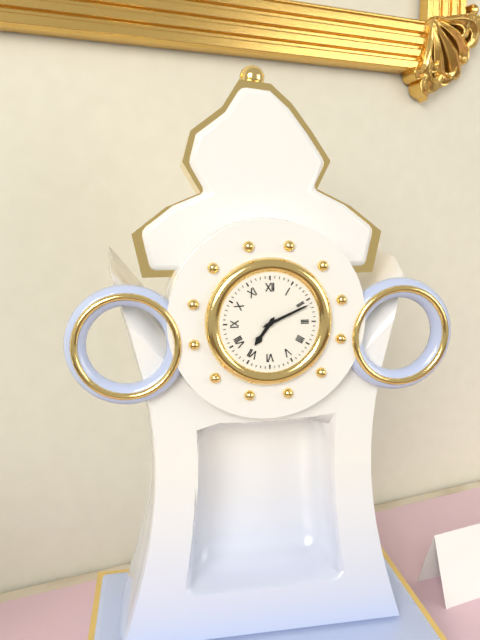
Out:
7.11
